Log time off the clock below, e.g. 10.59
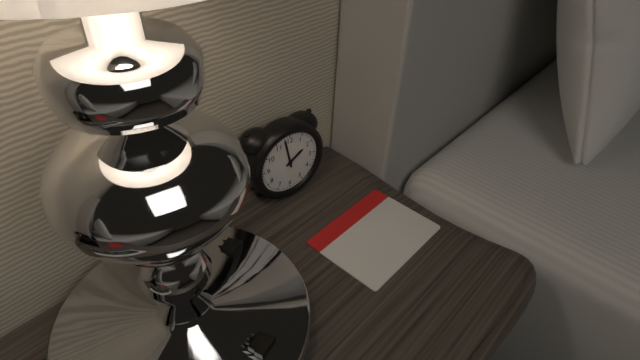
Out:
1.58
